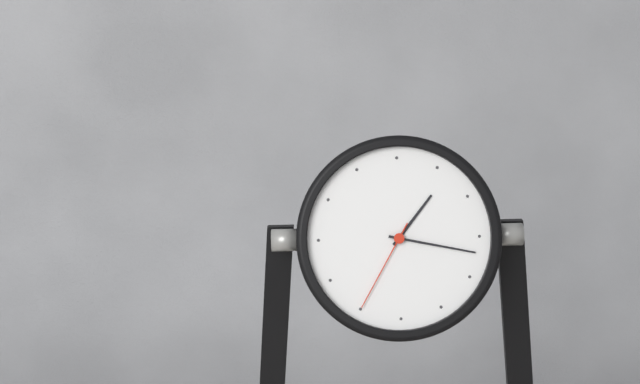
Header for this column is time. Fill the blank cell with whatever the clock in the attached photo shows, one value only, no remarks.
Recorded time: 1:17:35
